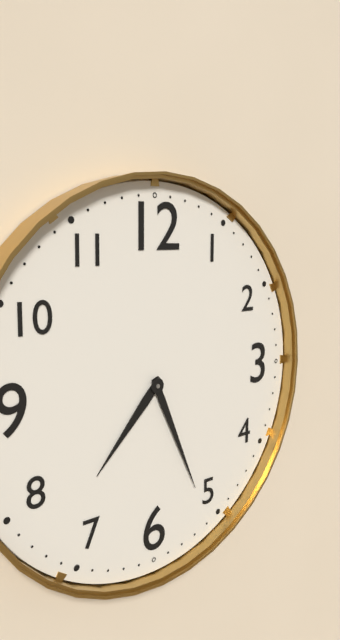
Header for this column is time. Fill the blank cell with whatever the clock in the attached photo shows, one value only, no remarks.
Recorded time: 7:26
